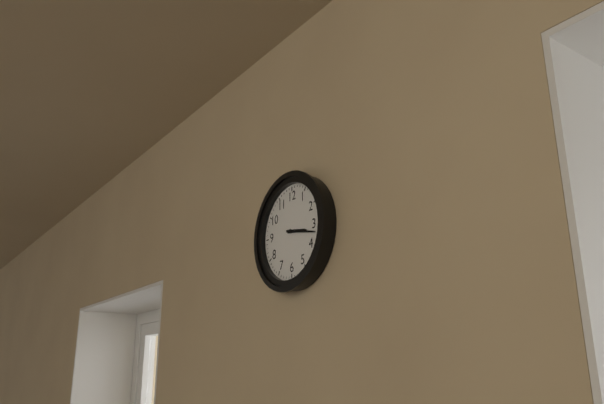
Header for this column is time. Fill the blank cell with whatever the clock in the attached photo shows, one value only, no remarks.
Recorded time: 3:17
